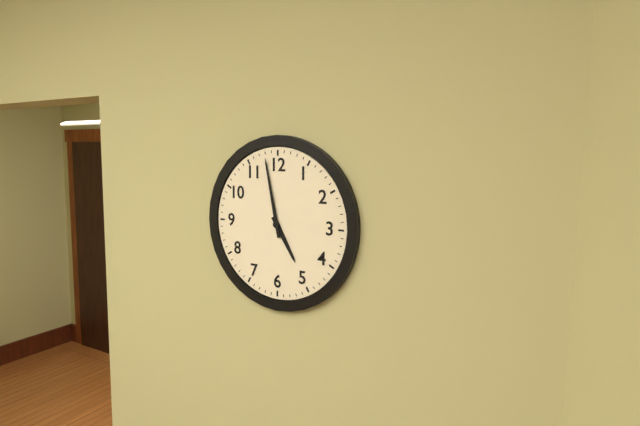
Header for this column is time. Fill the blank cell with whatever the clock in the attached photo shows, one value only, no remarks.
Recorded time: 4:58
